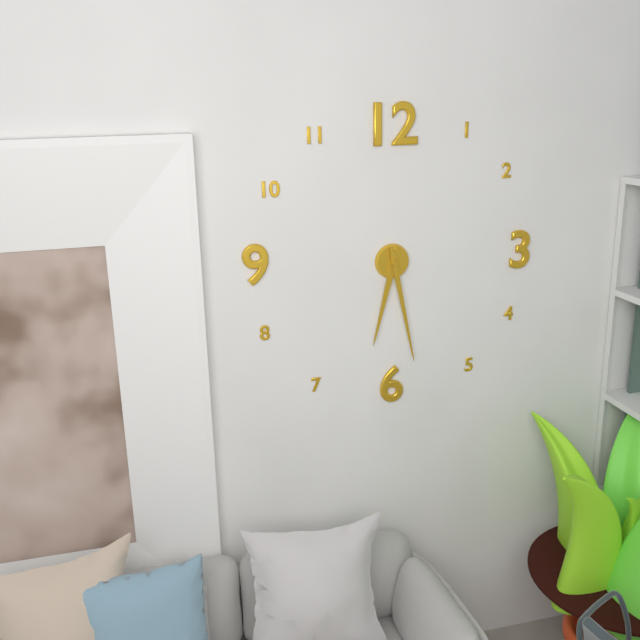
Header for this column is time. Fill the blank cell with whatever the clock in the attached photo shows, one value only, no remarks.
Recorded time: 6:28
